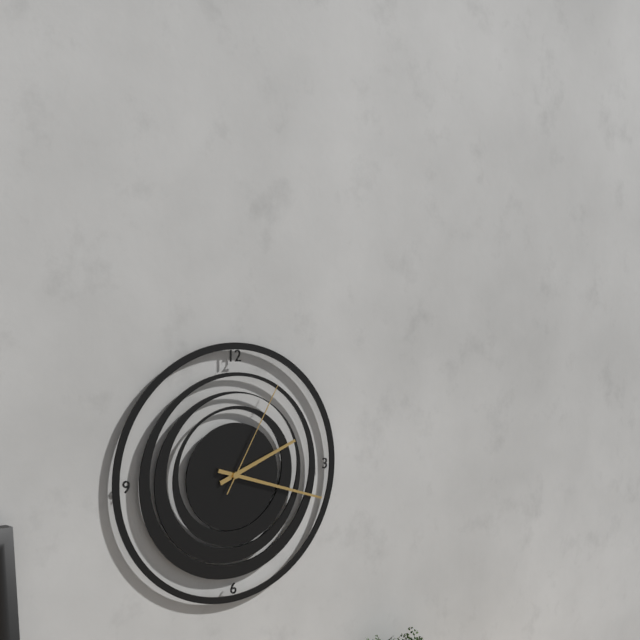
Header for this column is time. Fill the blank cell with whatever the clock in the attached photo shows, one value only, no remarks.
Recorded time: 2:18:05
